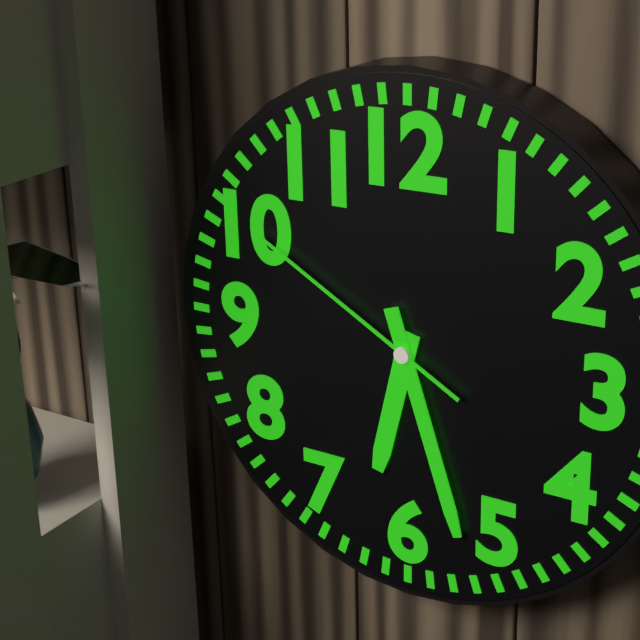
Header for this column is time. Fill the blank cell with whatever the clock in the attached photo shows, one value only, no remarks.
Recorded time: 6:27:50
